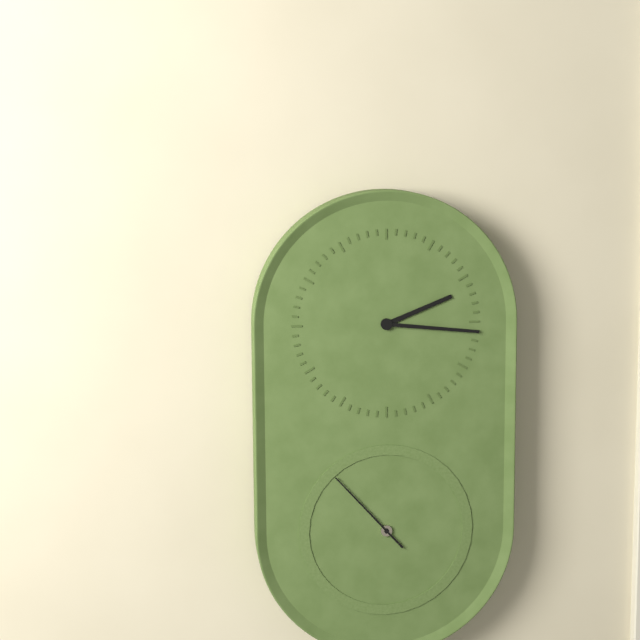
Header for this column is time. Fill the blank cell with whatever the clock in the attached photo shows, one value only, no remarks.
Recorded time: 2:16:53
